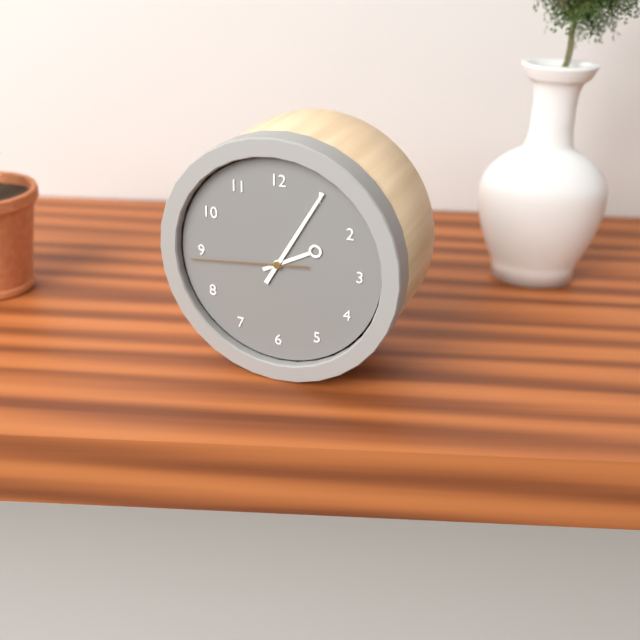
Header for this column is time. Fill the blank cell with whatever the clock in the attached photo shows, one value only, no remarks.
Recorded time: 2:05:44
